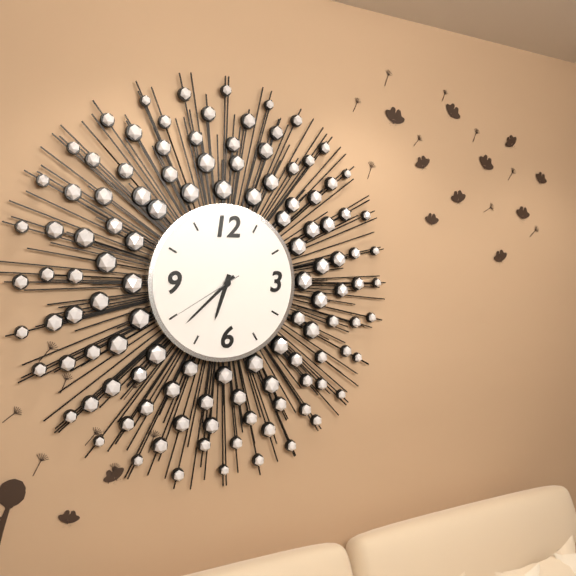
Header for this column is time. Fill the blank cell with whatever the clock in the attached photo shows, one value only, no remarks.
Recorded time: 6:38:40
